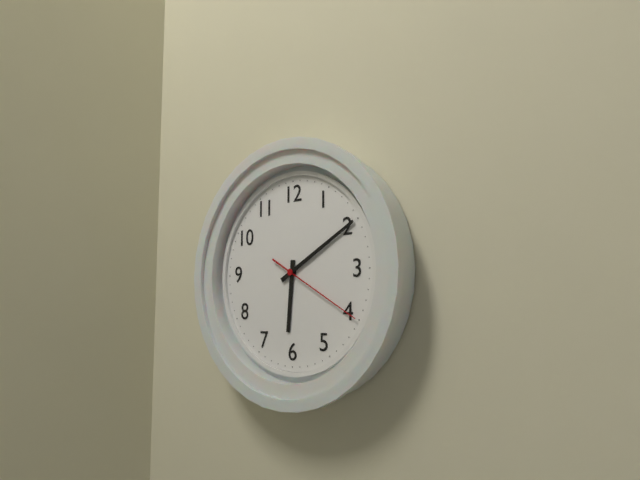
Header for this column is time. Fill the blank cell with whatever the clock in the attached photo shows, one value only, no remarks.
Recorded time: 6:10:20
